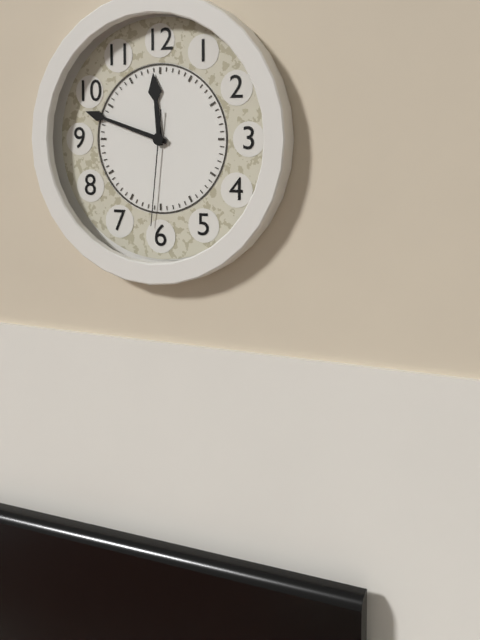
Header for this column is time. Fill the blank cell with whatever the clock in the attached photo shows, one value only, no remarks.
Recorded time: 11:48:31
